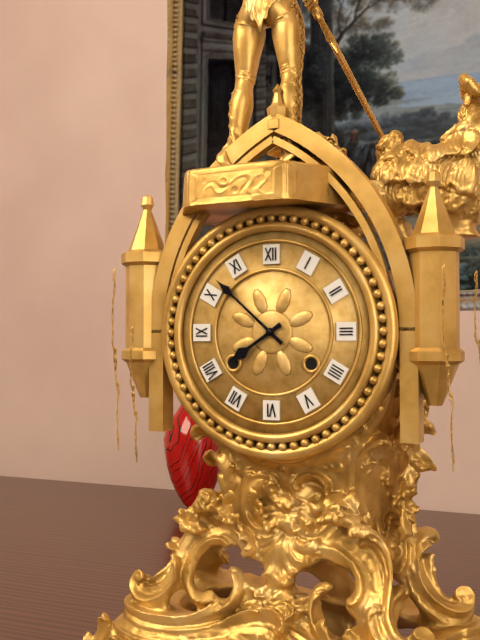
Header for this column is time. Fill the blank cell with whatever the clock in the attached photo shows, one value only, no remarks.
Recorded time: 7:52
